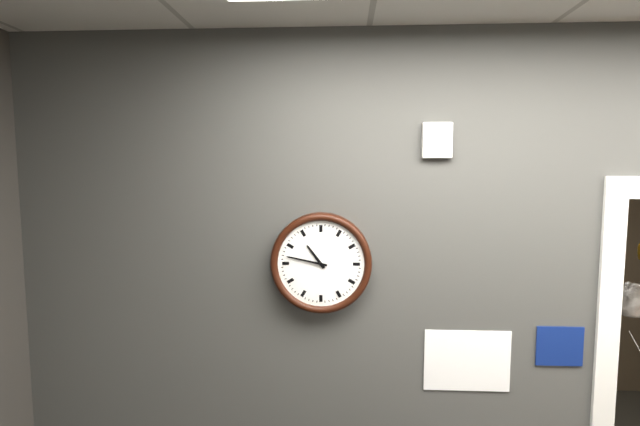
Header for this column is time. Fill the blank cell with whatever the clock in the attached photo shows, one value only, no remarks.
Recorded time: 10:47
